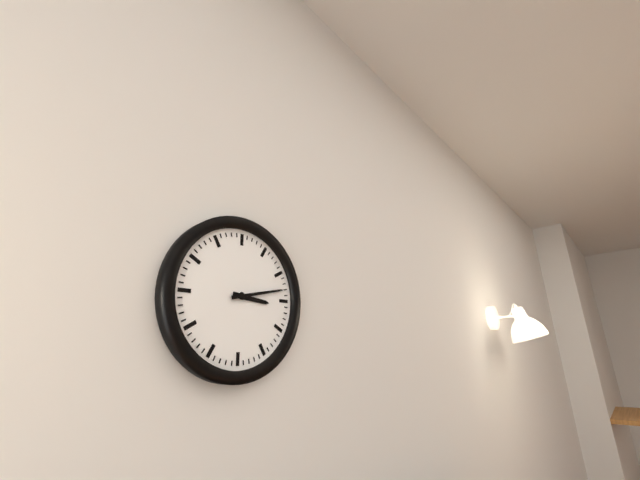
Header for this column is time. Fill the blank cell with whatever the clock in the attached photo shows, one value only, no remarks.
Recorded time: 3:13
